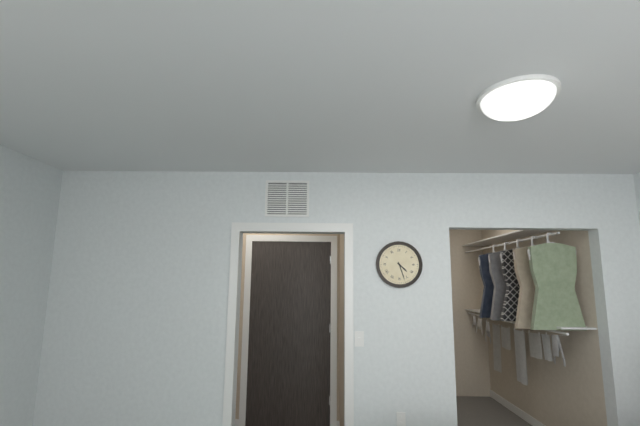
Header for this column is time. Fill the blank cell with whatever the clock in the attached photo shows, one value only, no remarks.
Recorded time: 4:27
